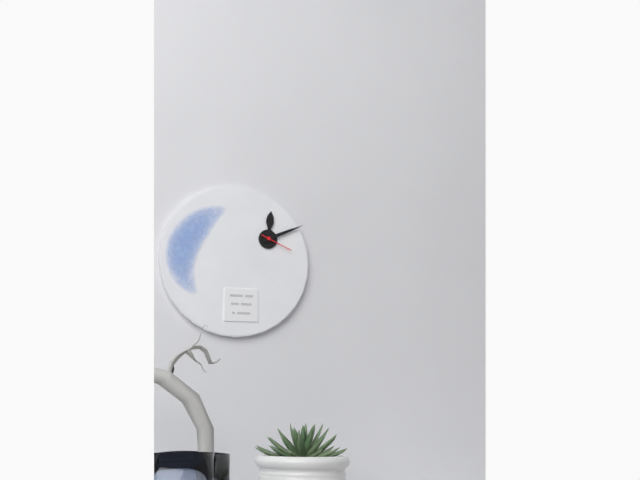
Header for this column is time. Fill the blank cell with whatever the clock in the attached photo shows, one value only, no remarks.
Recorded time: 12:11
